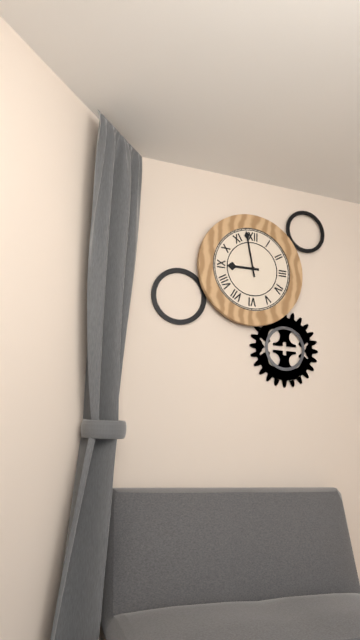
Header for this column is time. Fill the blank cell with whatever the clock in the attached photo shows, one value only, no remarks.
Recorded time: 8:58
